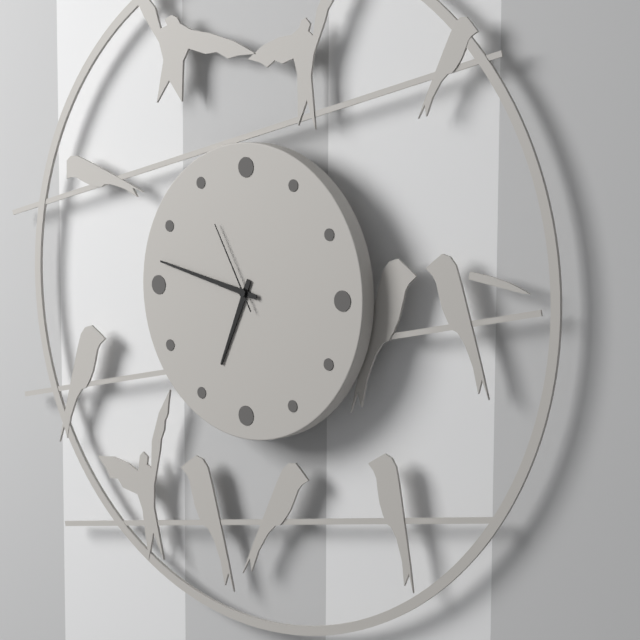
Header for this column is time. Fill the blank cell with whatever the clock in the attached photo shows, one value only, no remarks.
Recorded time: 6:47:55
